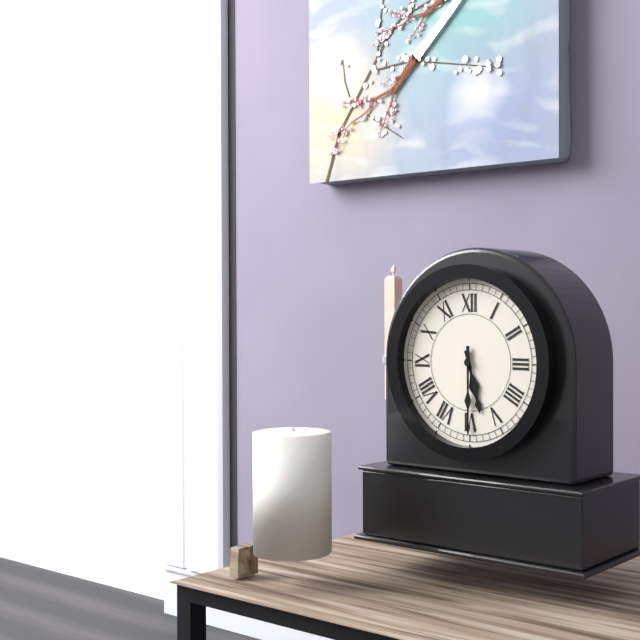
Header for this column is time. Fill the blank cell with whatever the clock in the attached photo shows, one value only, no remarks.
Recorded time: 5:30
